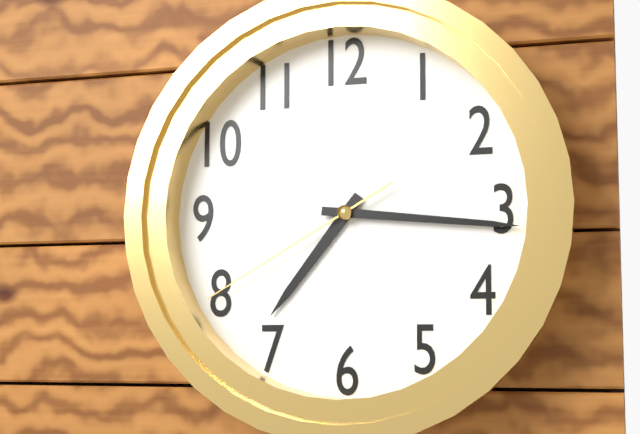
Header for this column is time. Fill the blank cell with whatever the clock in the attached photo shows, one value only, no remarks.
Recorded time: 7:16:40
